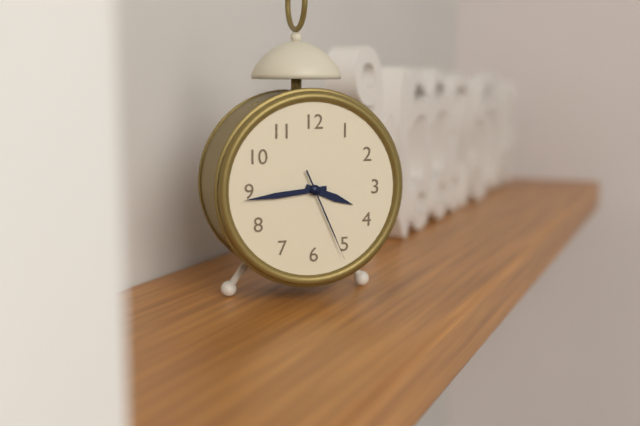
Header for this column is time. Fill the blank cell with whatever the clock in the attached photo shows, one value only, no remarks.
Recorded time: 3:44:26
